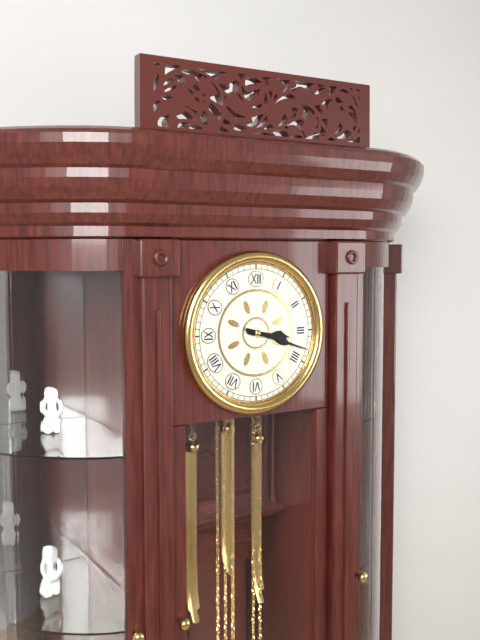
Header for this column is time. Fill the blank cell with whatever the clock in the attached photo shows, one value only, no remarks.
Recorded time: 3:18
